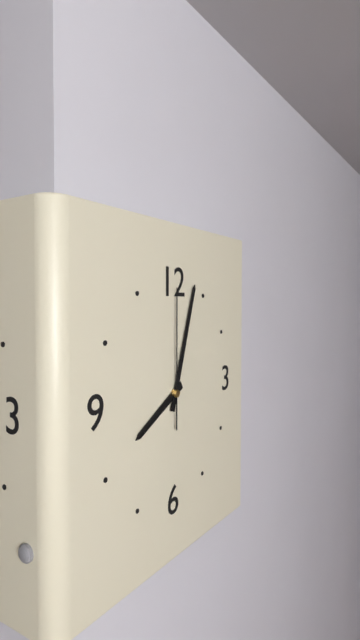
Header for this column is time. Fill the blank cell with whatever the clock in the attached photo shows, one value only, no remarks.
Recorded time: 8:03:00
